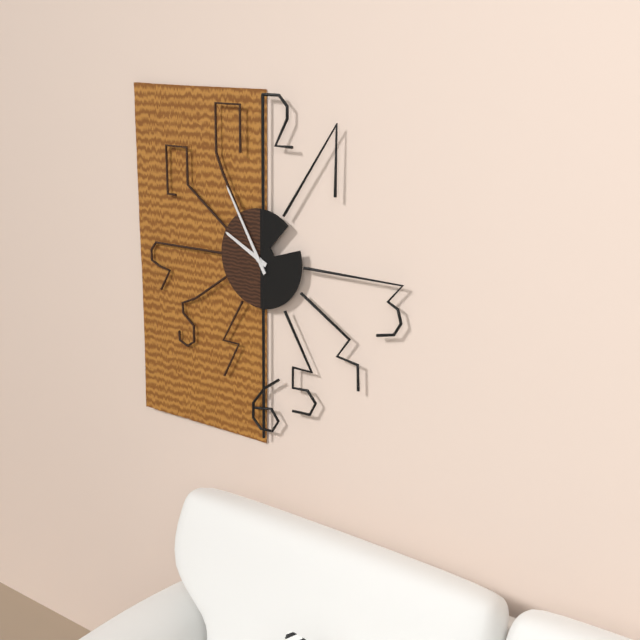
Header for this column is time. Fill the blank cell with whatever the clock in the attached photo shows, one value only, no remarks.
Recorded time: 9:55
